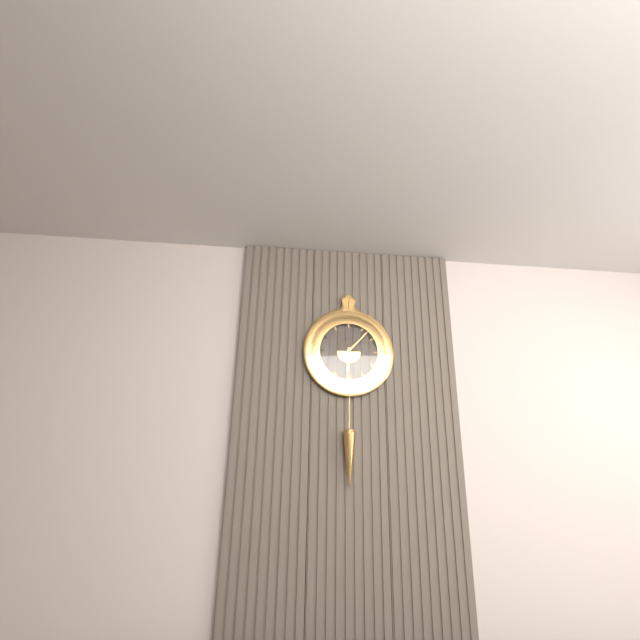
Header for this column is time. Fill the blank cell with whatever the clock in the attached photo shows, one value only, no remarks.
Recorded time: 6:07
